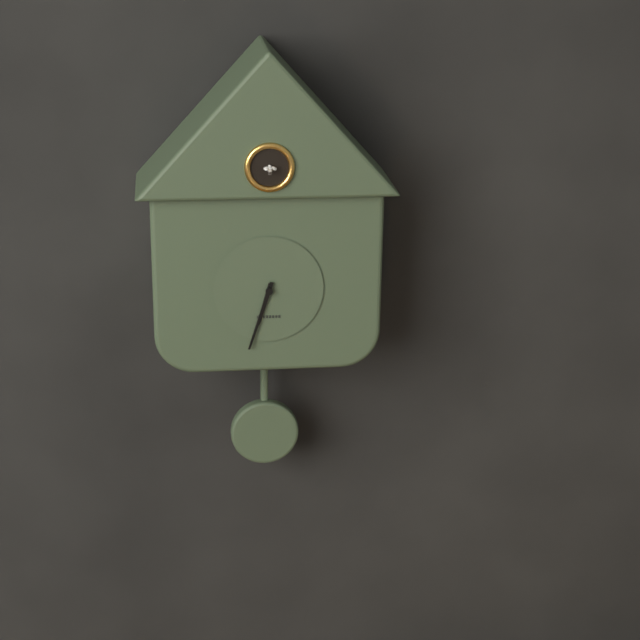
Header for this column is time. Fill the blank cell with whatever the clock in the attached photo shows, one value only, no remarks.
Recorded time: 6:33
